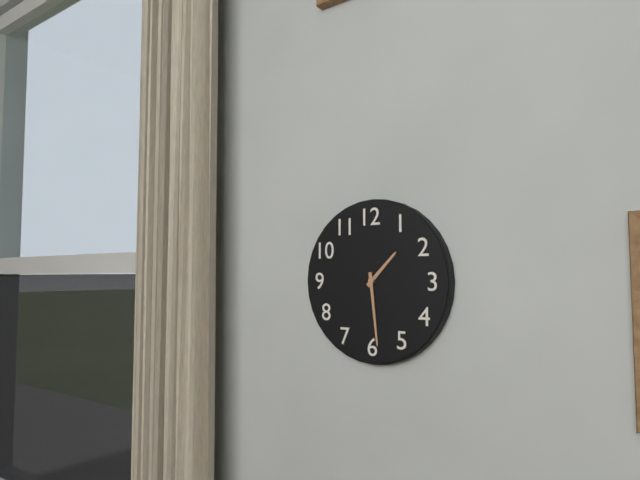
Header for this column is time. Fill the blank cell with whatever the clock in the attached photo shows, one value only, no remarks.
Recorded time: 1:29
